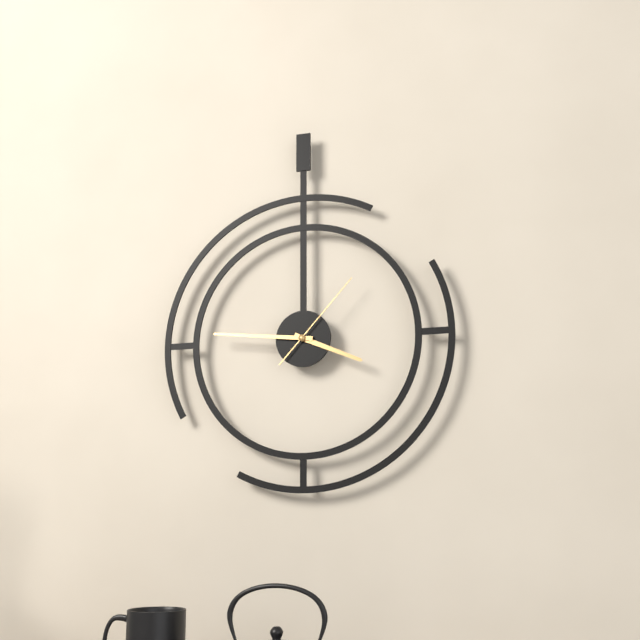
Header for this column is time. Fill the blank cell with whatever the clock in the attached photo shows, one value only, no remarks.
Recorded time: 3:46:07
